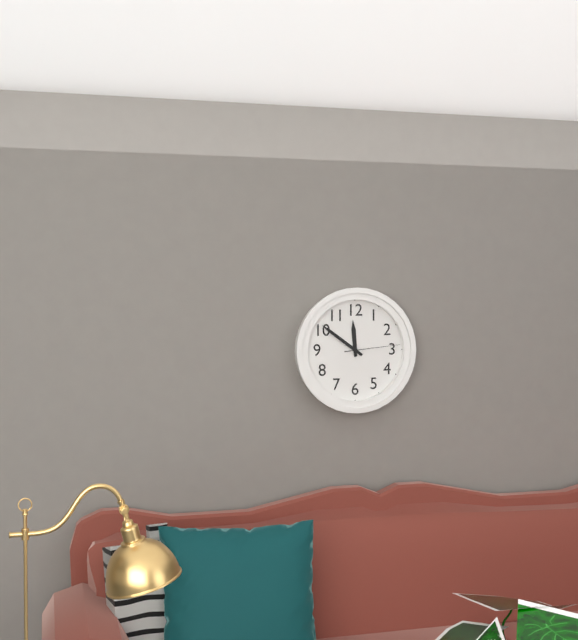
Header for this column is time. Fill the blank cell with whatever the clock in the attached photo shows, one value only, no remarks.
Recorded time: 11:51:14
